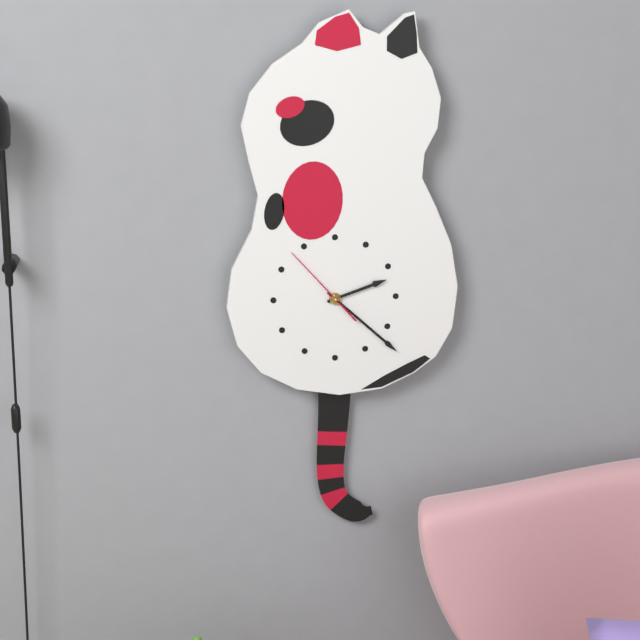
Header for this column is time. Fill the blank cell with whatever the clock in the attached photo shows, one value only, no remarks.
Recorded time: 2:22:53
